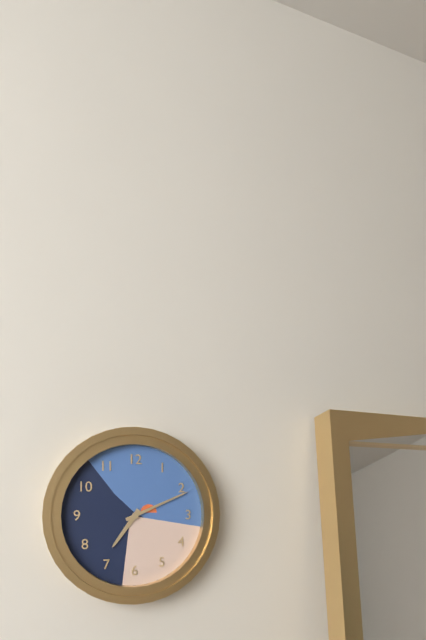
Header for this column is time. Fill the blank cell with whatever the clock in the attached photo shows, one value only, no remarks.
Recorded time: 7:11
